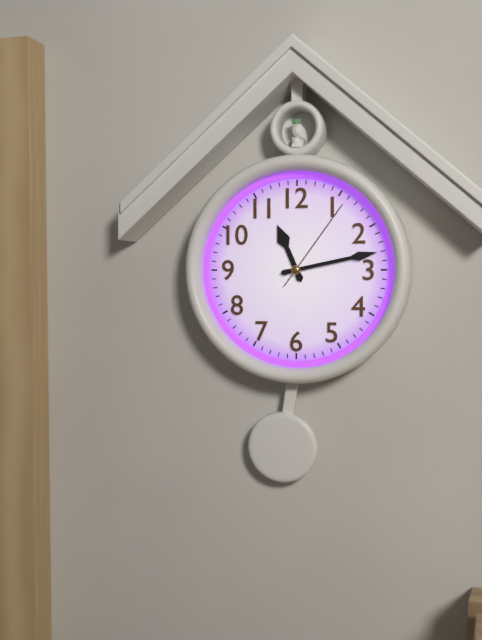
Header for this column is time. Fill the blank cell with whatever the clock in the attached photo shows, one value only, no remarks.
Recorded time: 11:13:06
